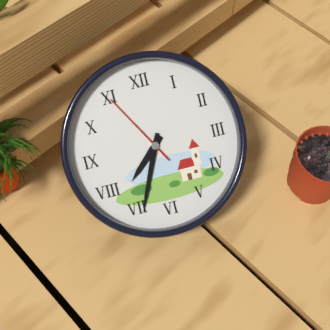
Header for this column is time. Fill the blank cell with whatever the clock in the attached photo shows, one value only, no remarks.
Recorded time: 7:34:55
